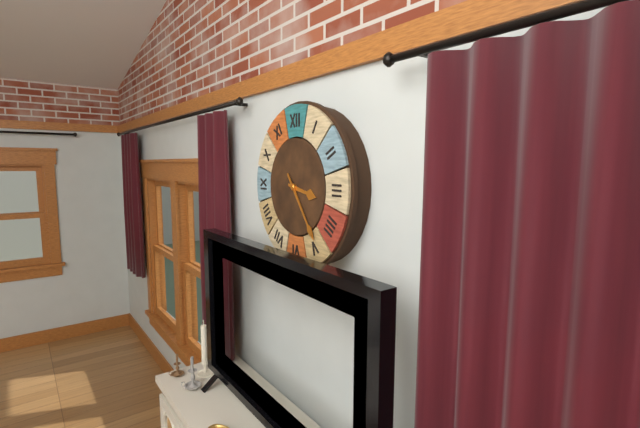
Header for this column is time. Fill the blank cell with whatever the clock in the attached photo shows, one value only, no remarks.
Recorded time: 3:24
